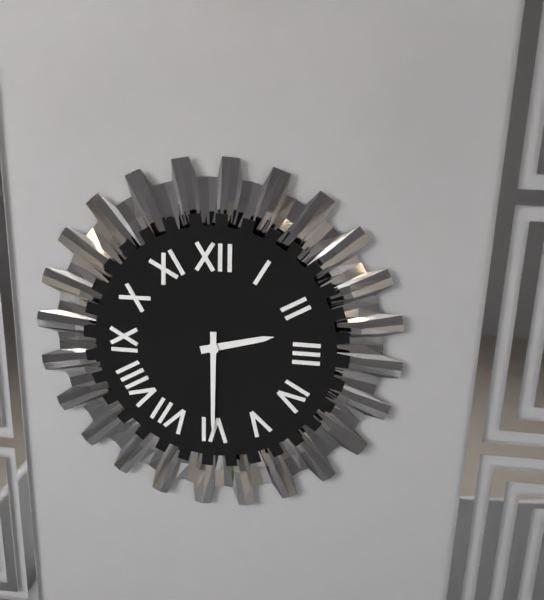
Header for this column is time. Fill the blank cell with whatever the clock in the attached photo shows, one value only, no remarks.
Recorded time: 2:30
